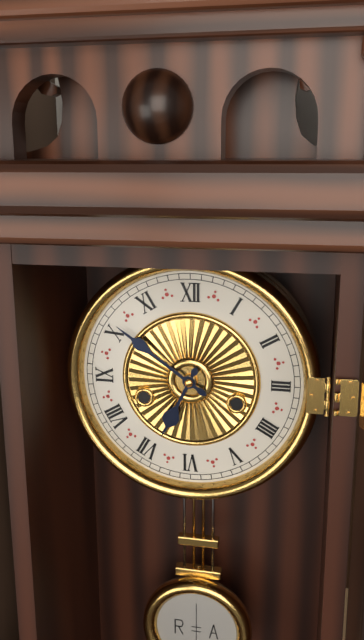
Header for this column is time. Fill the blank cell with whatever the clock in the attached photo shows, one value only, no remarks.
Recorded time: 6:51
